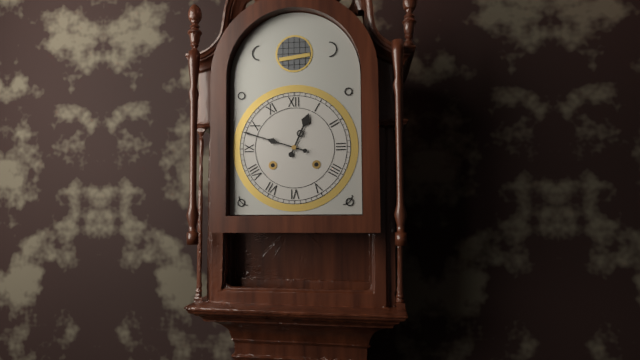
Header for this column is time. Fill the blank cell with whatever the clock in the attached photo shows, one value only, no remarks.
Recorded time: 12:48
